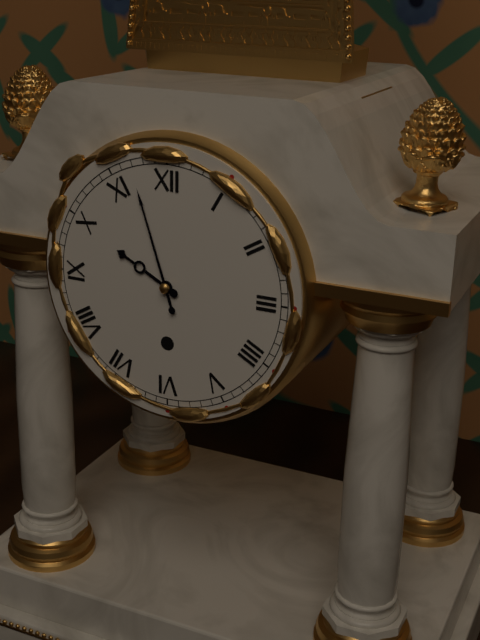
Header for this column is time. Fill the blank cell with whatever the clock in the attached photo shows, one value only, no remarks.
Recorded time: 9:57
